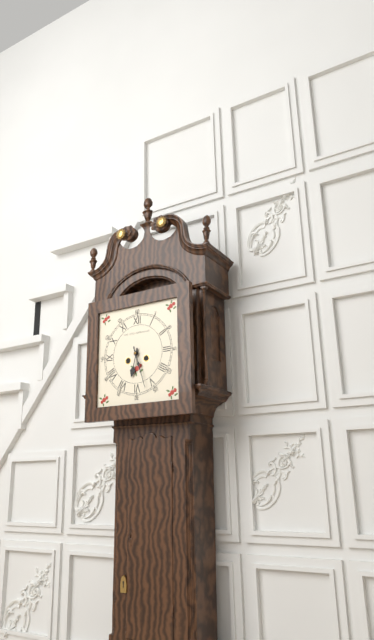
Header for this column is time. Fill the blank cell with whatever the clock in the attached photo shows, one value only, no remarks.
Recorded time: 6:27
